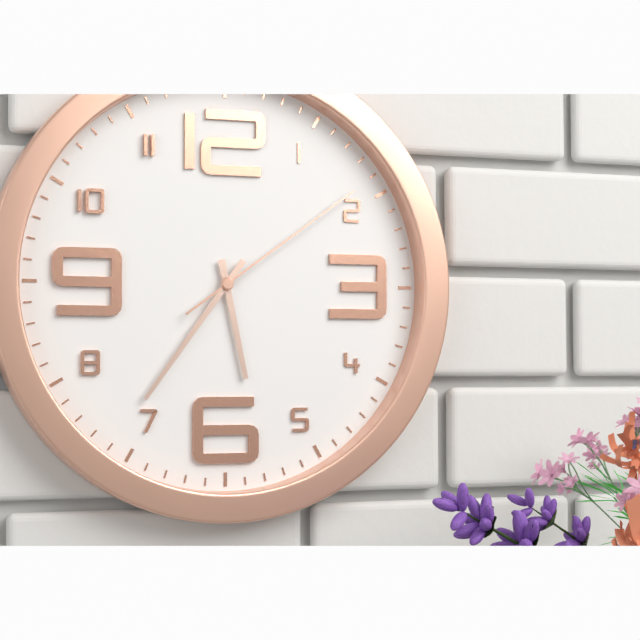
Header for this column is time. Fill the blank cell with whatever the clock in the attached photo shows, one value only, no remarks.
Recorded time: 5:36:09
